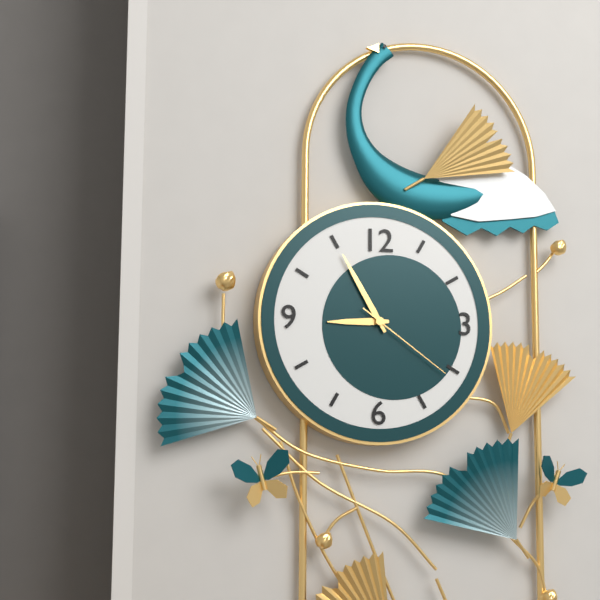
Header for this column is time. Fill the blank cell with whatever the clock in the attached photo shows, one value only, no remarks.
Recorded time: 8:55:21
